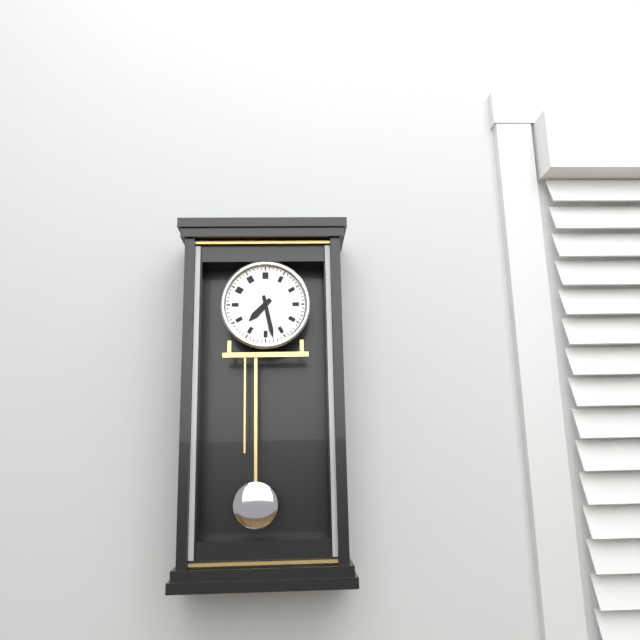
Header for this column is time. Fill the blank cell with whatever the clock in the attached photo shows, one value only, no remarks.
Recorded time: 7:28
